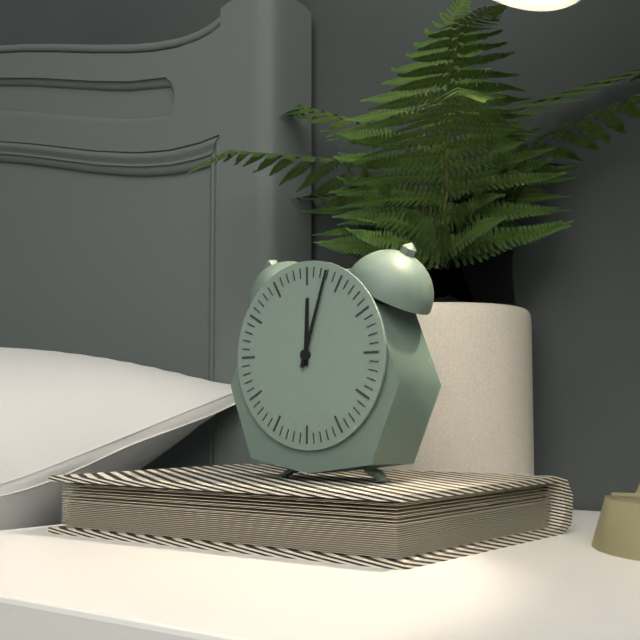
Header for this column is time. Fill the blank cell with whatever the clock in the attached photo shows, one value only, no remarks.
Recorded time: 12:03
